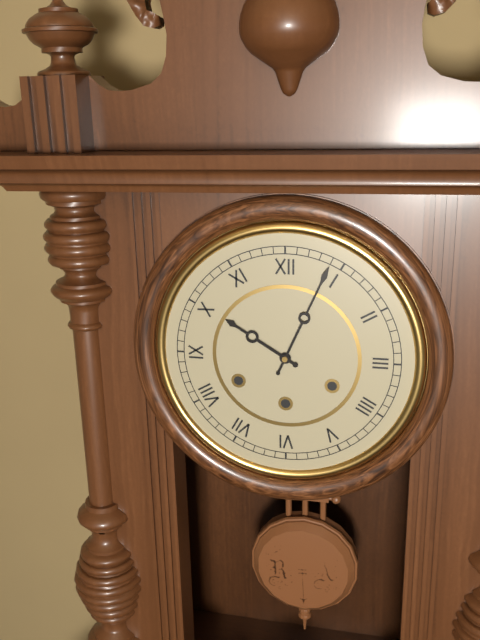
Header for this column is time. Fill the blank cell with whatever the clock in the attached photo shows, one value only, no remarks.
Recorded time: 10:04
